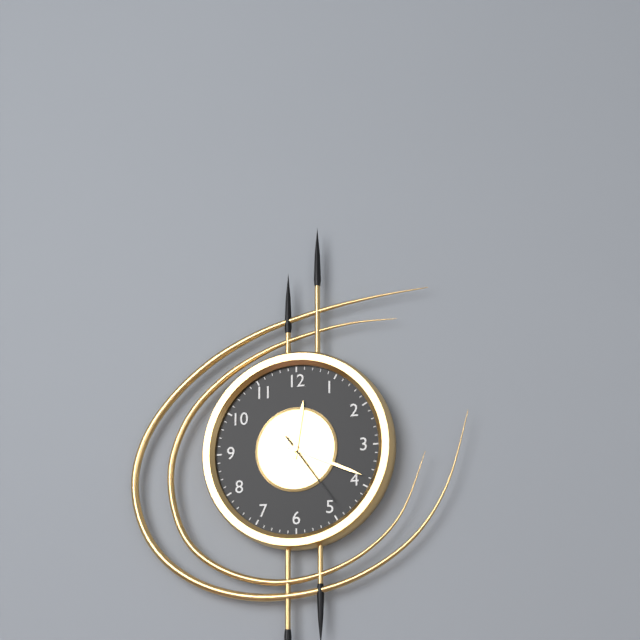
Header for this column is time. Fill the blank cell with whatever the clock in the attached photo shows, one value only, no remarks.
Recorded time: 12:19:24
